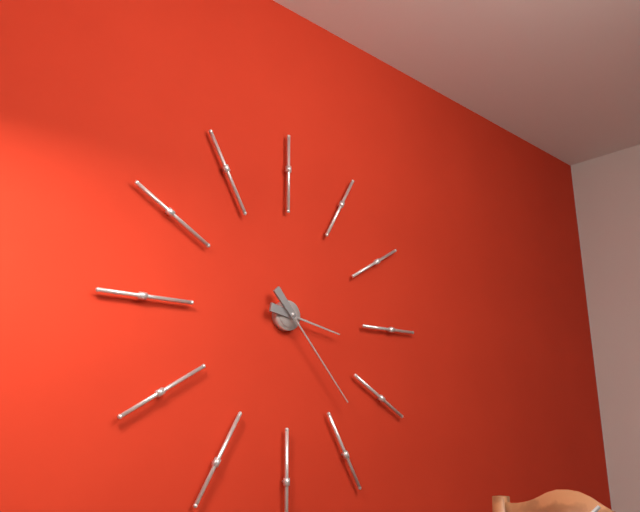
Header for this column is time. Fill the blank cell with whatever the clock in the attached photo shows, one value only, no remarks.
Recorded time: 3:23
